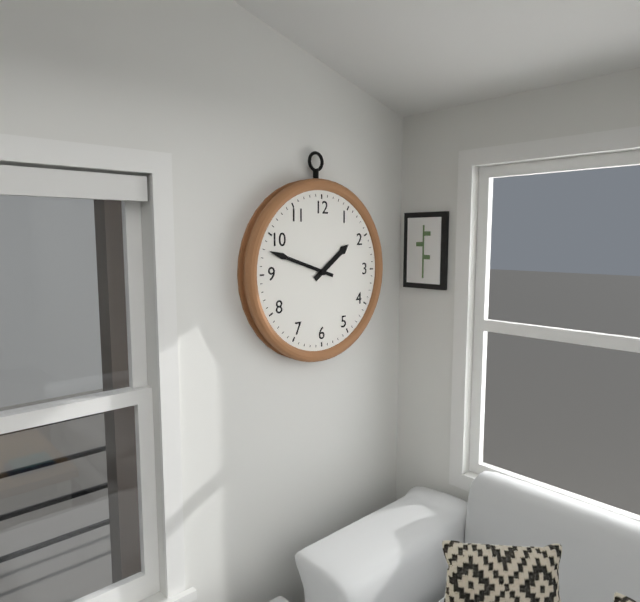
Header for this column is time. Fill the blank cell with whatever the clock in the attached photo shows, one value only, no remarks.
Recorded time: 1:48
